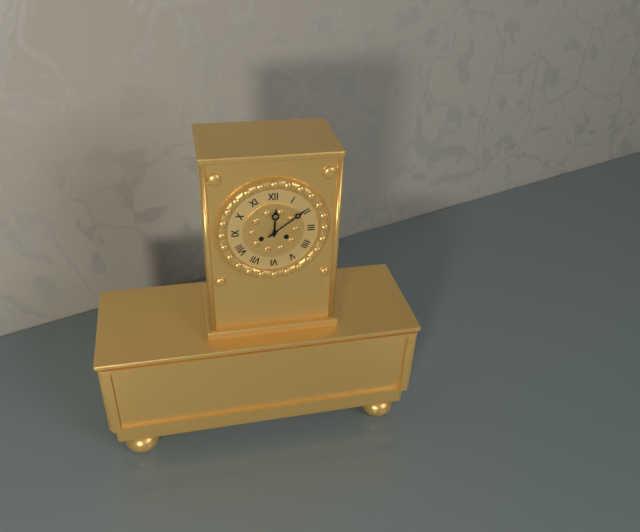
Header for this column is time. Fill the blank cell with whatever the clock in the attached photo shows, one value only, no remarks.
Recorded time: 12:09
